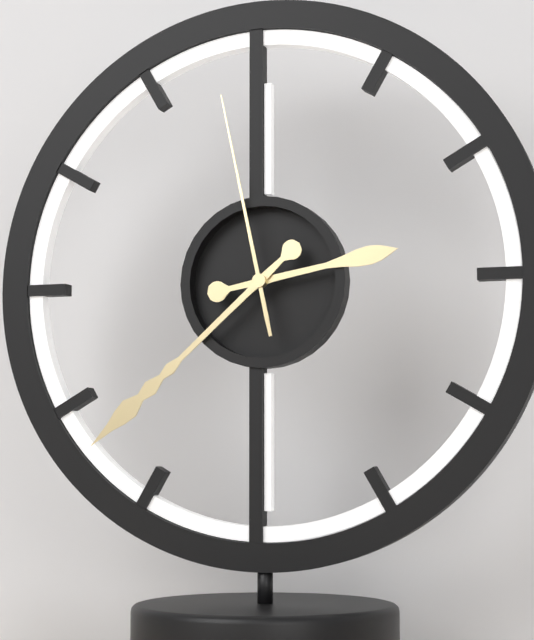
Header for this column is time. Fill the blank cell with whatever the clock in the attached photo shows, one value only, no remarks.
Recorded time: 2:38:58
